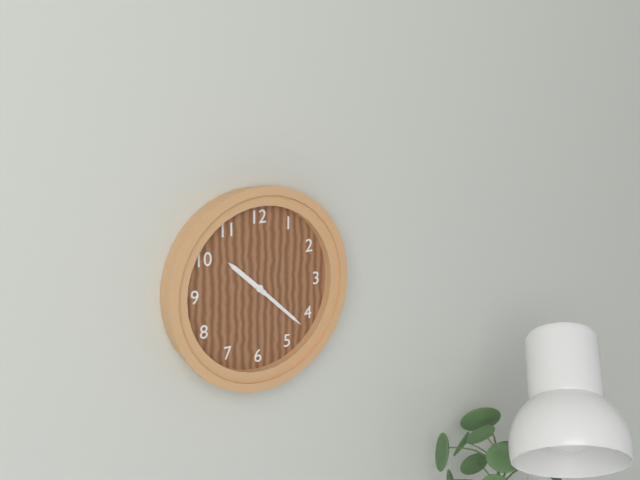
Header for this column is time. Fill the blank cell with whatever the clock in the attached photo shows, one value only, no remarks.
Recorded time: 10:22
